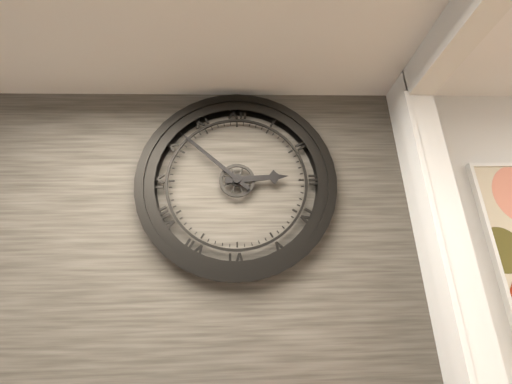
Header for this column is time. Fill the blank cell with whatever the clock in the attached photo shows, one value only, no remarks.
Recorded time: 2:52
